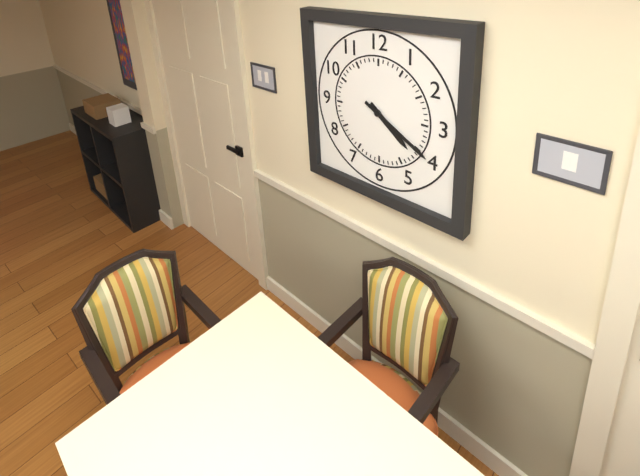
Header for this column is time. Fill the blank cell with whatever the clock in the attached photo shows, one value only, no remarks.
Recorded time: 4:20
